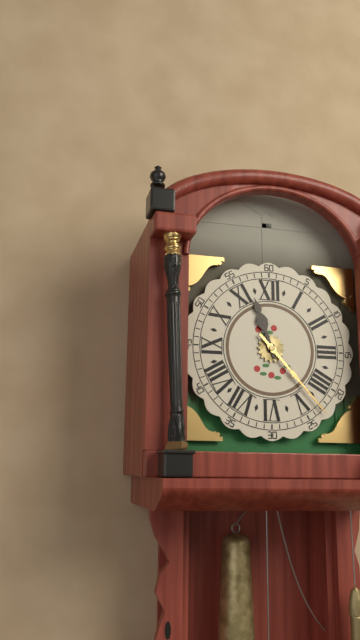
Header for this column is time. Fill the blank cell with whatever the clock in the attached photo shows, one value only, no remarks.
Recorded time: 11:23
